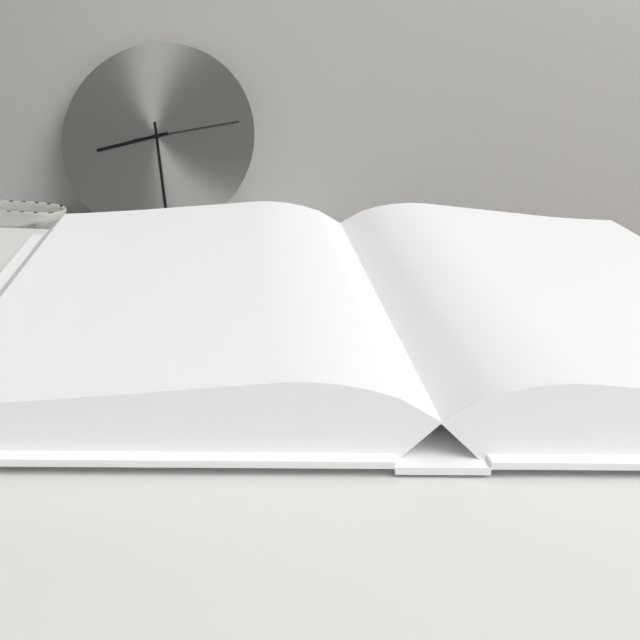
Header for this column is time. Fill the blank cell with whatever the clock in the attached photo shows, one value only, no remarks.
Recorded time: 8:28:13
